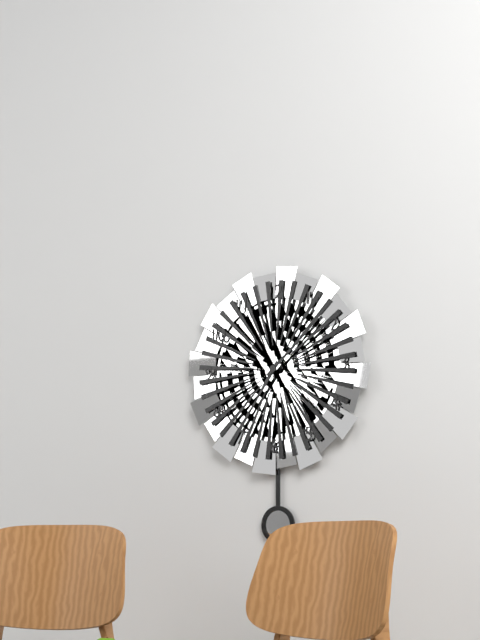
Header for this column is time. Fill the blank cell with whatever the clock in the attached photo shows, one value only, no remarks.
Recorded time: 7:08
